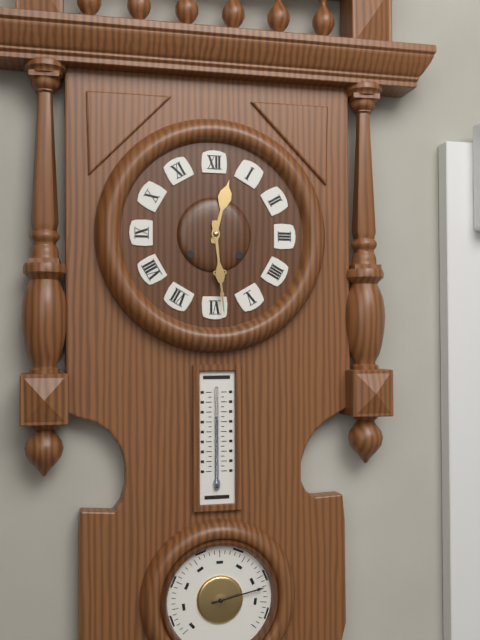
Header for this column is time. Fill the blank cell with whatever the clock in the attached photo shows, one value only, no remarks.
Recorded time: 12:29
